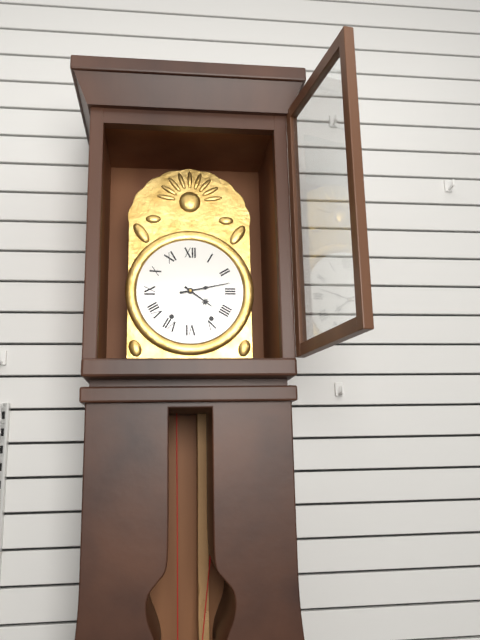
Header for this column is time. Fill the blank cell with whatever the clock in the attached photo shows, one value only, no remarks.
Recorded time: 4:13
